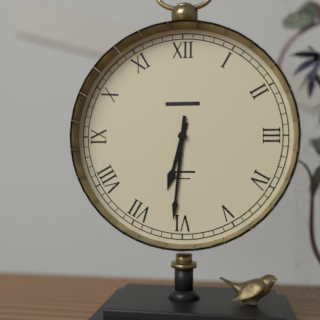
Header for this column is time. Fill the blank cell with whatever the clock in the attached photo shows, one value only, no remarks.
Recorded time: 6:31
